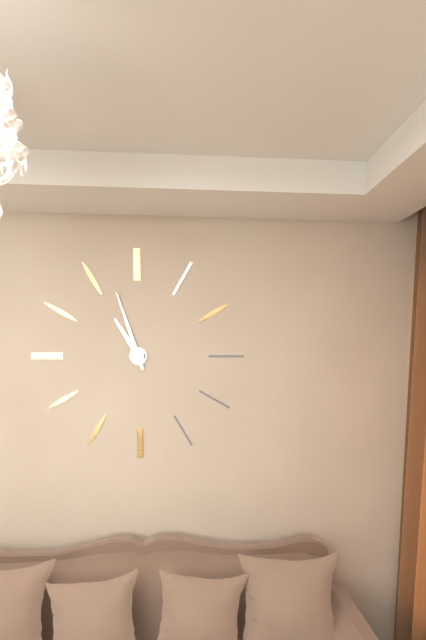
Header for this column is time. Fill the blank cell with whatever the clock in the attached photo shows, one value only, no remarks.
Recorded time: 10:57
